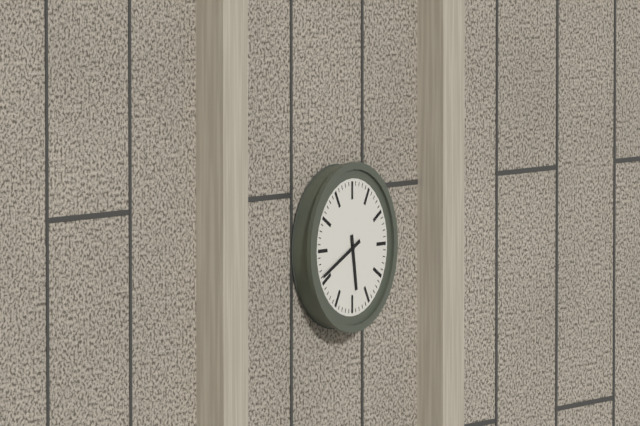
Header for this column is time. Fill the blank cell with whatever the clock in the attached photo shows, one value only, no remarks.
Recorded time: 5:41
